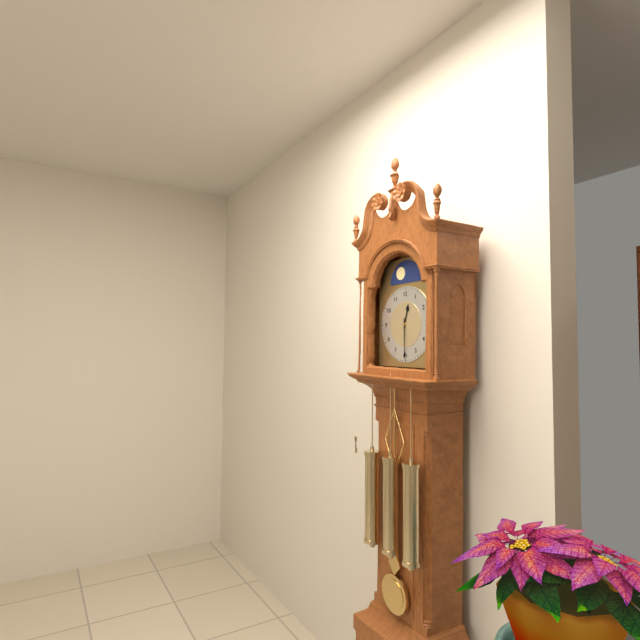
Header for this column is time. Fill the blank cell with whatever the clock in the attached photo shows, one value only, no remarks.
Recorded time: 12:30
